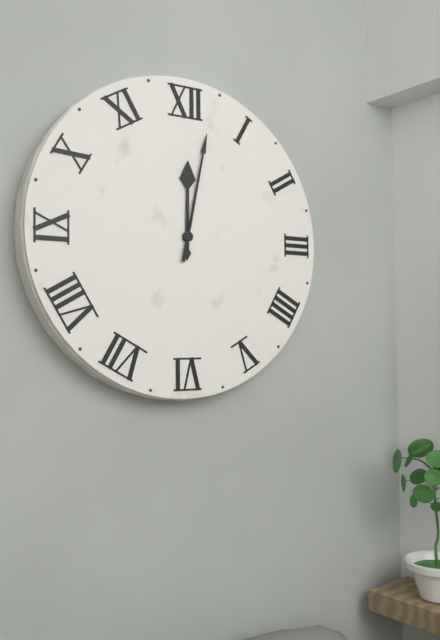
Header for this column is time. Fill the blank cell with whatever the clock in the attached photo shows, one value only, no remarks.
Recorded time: 12:02
